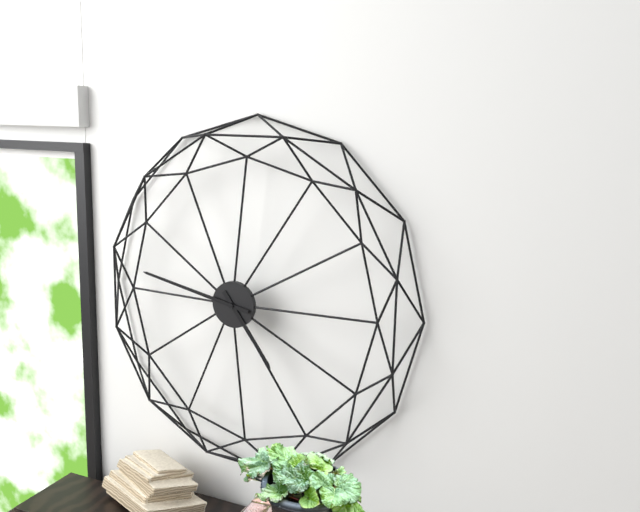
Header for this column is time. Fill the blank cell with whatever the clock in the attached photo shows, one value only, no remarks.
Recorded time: 4:47
